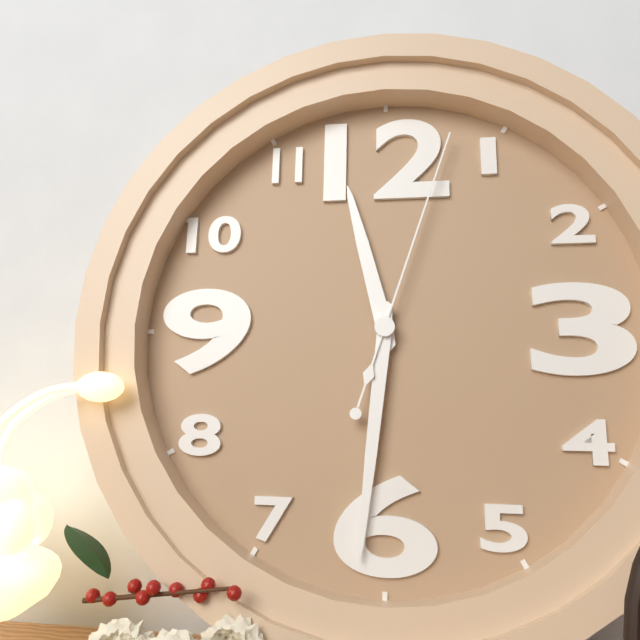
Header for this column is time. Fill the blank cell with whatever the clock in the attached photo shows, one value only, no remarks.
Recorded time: 11:31:03
